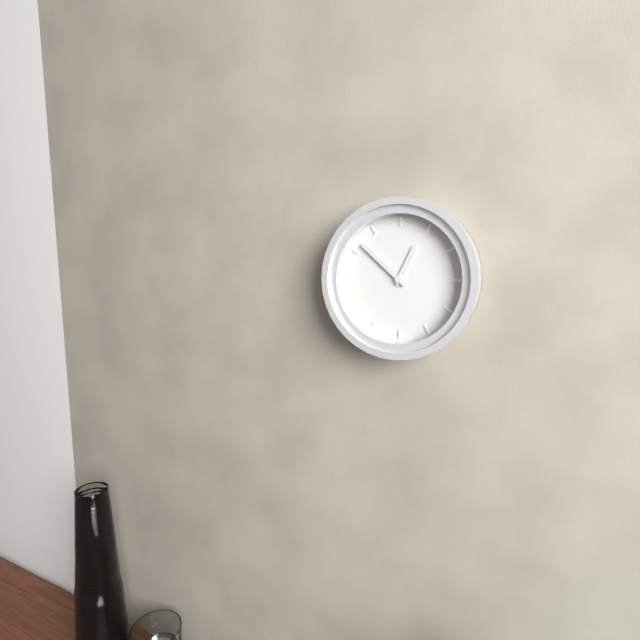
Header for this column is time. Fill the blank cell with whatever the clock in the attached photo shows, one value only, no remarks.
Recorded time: 12:52
